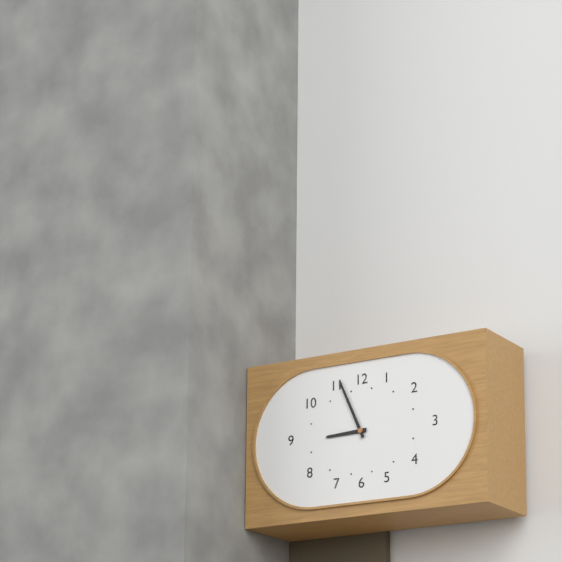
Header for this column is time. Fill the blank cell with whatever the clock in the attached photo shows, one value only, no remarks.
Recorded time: 8:56
